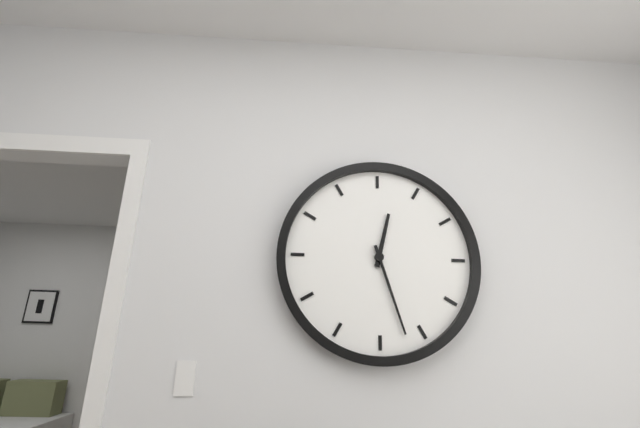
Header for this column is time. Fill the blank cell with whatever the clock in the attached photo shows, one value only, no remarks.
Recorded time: 12:27
